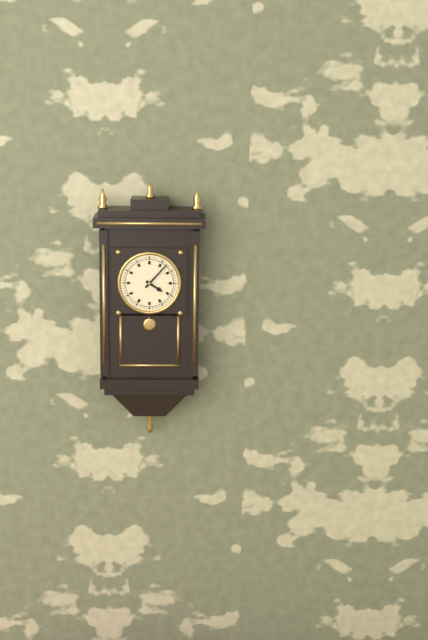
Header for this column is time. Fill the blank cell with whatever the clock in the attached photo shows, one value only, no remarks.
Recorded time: 4:07
